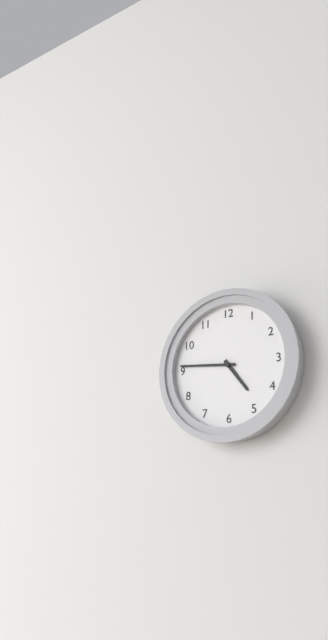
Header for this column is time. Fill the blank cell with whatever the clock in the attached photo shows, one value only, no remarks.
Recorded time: 4:46
